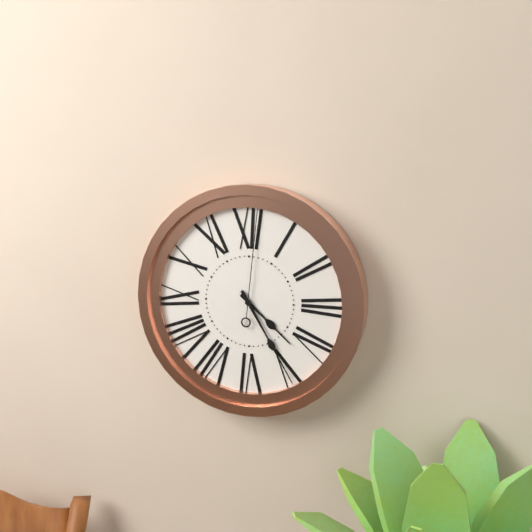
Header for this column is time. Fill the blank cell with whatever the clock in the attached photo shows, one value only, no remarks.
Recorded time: 4:25:01
